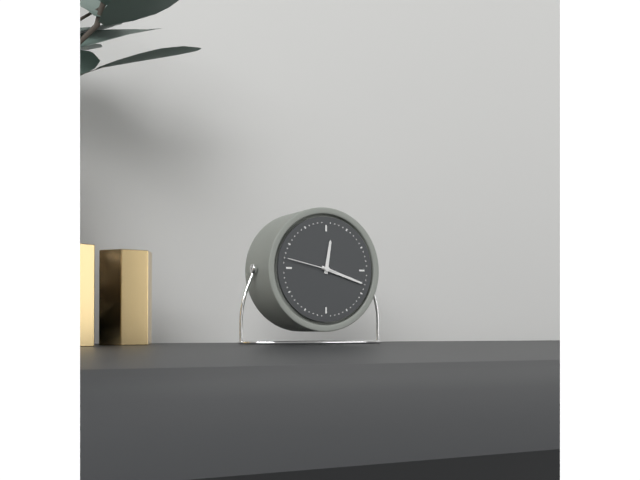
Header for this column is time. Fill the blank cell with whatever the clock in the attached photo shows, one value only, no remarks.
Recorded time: 12:18:47
